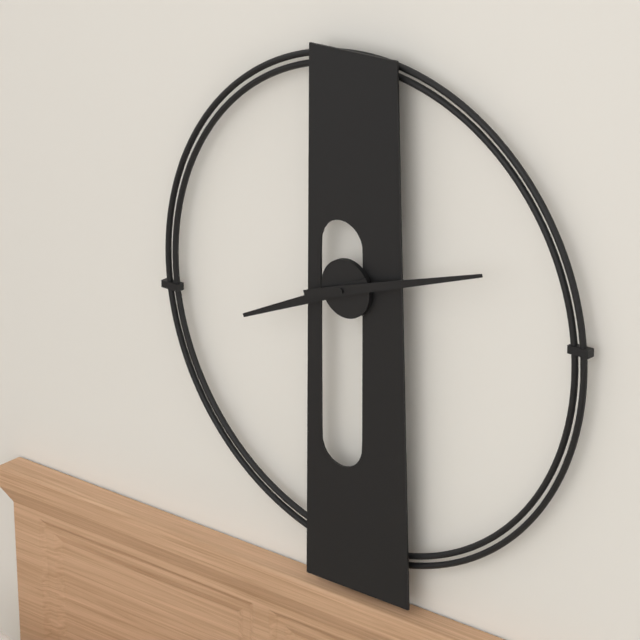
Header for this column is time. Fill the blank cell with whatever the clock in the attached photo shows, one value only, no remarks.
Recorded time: 8:12
